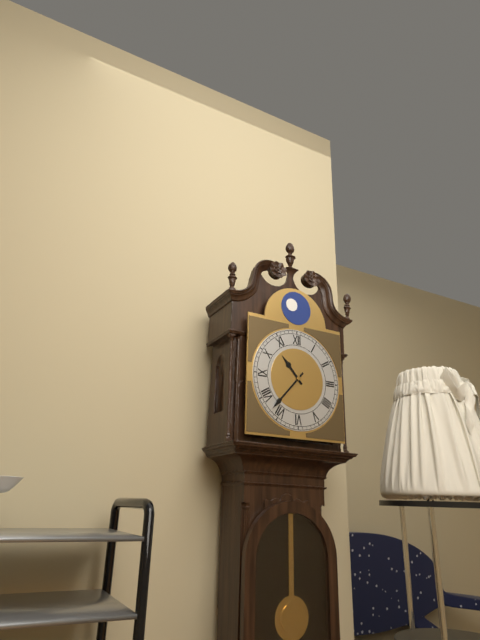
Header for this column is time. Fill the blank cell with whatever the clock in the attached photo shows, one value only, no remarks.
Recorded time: 10:37
